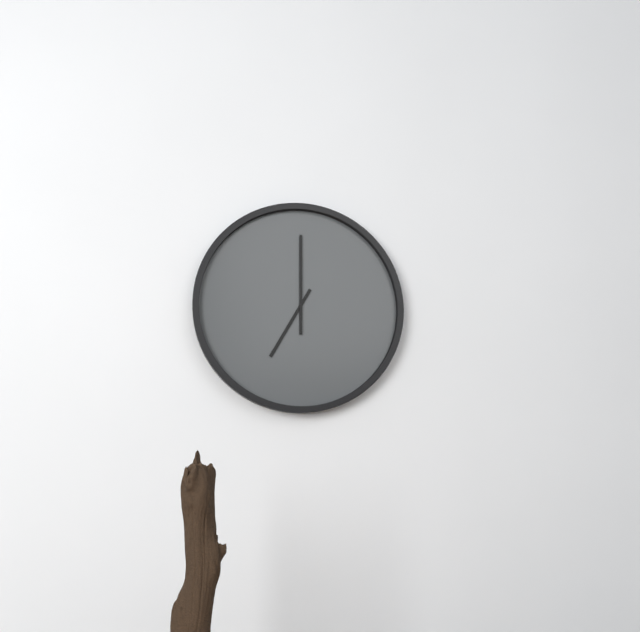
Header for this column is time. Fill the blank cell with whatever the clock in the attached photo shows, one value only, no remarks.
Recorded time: 7:00
